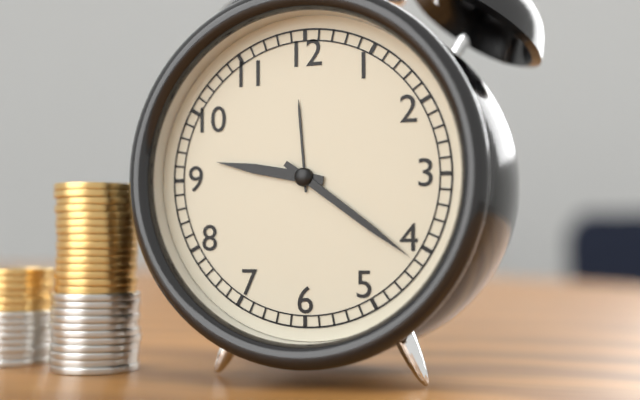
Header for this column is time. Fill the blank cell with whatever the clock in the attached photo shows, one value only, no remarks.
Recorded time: 9:21
